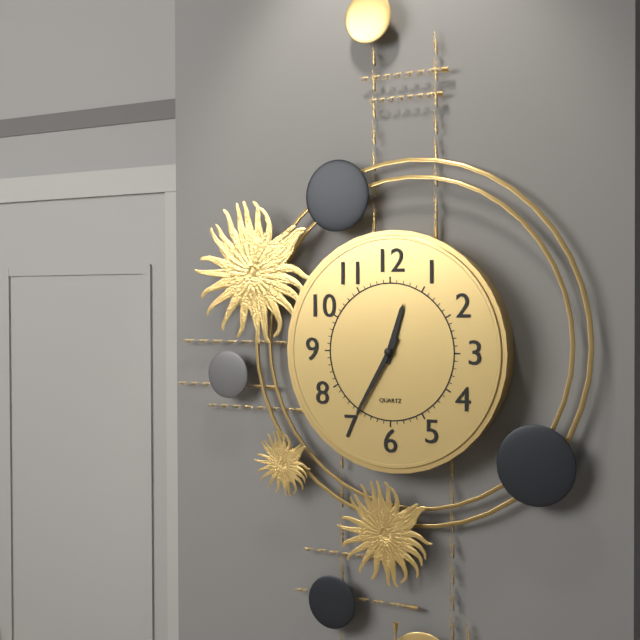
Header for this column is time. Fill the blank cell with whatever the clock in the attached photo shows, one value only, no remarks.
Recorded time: 12:35
